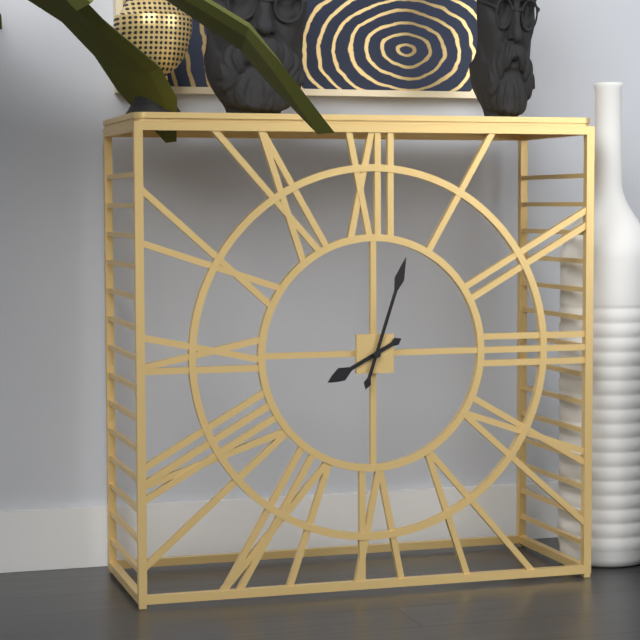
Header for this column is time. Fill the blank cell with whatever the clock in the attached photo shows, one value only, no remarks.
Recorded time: 8:03
